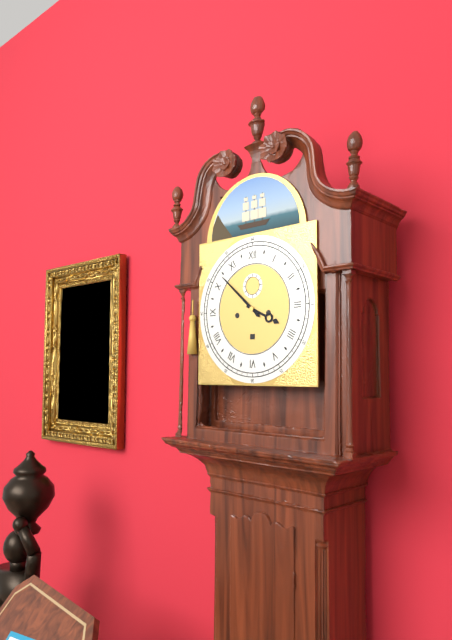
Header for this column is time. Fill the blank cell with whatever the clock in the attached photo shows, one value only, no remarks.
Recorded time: 3:52
